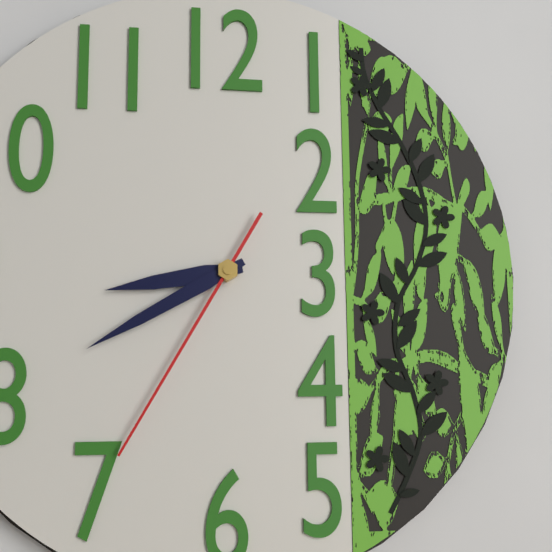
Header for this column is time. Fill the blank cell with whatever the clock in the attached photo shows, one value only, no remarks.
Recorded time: 8:40:35
